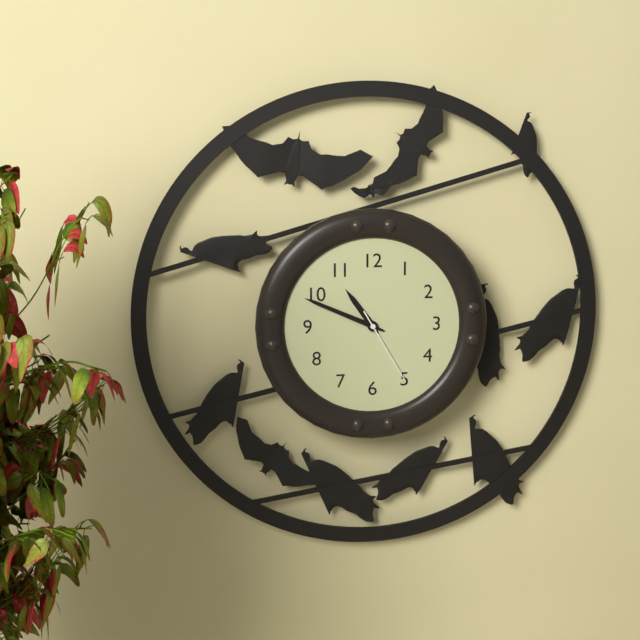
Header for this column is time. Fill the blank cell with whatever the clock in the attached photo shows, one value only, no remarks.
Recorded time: 10:49:25
